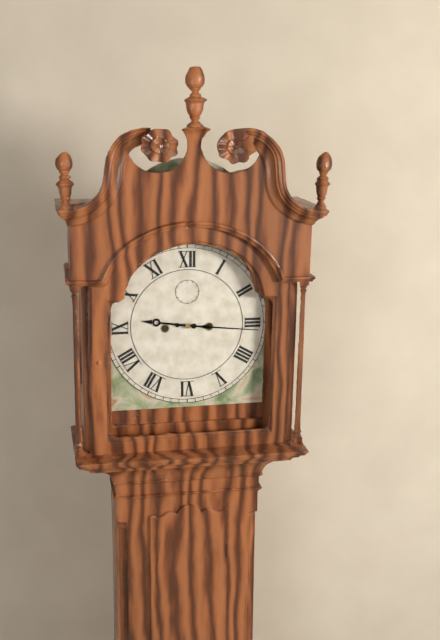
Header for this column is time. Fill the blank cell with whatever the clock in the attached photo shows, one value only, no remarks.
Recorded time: 9:16
